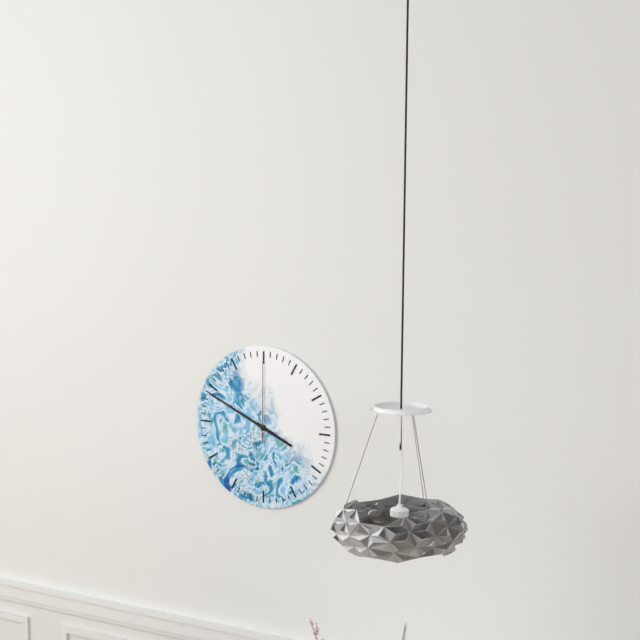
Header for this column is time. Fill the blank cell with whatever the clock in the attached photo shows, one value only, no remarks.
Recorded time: 3:49:00
